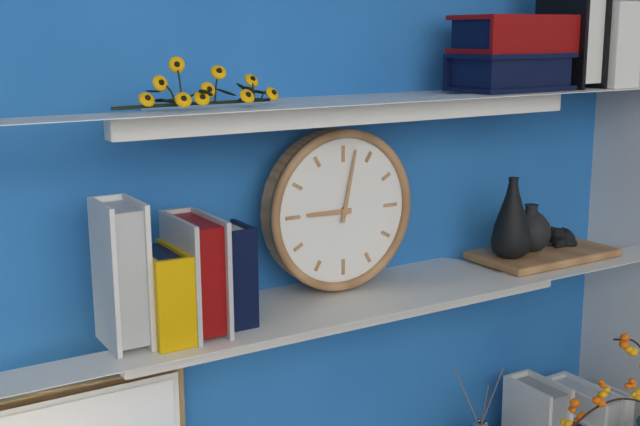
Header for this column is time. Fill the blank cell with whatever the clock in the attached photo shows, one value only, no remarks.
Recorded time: 9:02
